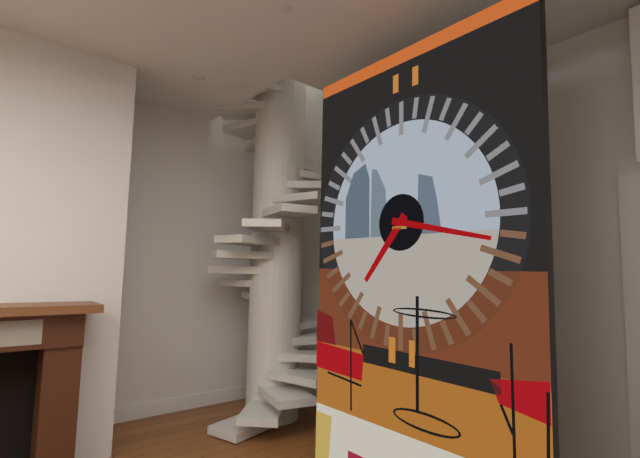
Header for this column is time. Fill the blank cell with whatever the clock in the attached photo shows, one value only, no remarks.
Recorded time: 7:17
